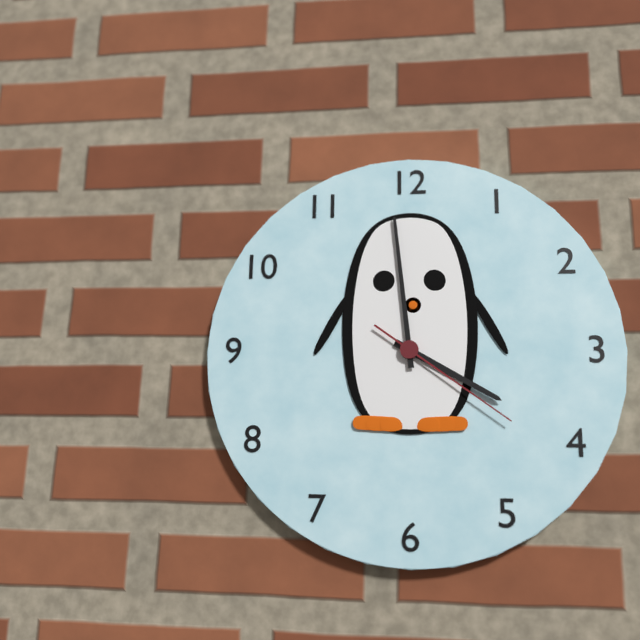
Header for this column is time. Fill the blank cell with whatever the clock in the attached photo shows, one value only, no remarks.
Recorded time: 3:59:21
